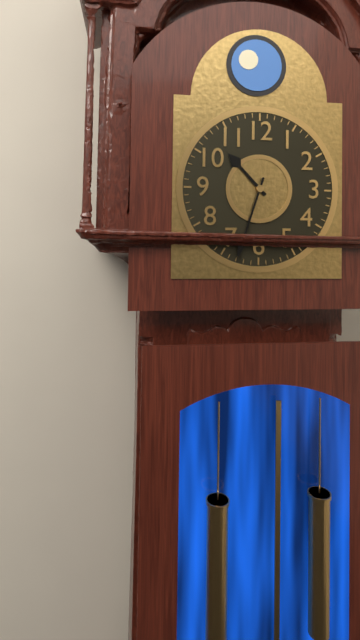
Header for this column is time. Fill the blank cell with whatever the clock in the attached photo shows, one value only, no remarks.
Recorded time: 10:33
